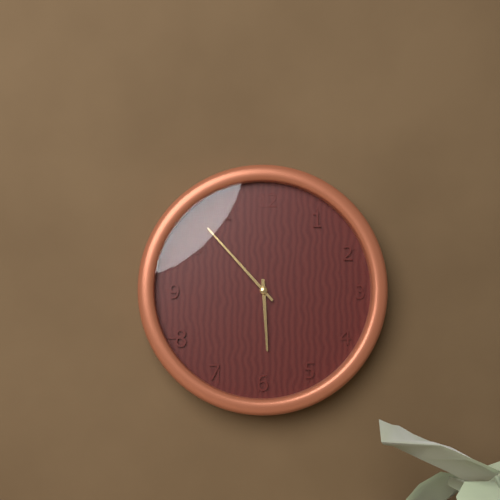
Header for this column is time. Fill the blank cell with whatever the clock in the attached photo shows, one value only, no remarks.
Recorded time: 5:53
